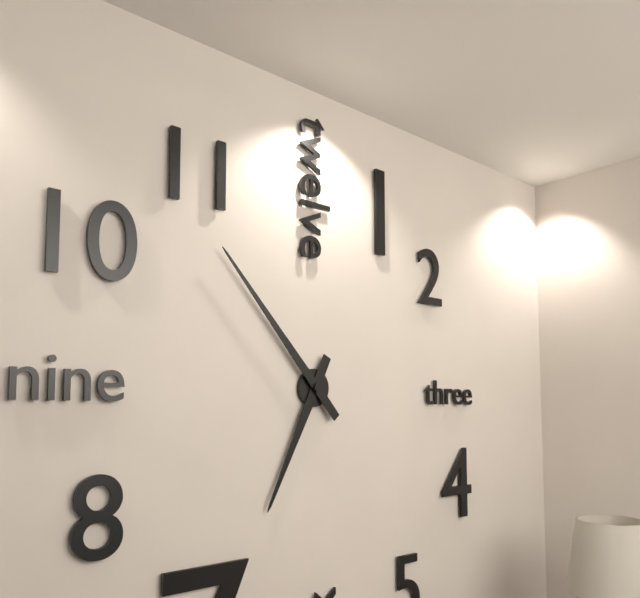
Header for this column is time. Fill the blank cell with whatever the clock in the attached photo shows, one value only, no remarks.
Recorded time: 6:53
